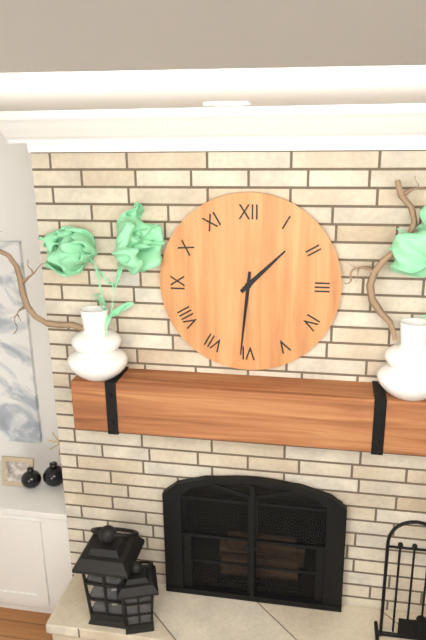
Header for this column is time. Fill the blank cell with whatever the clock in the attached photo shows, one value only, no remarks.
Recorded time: 1:31
